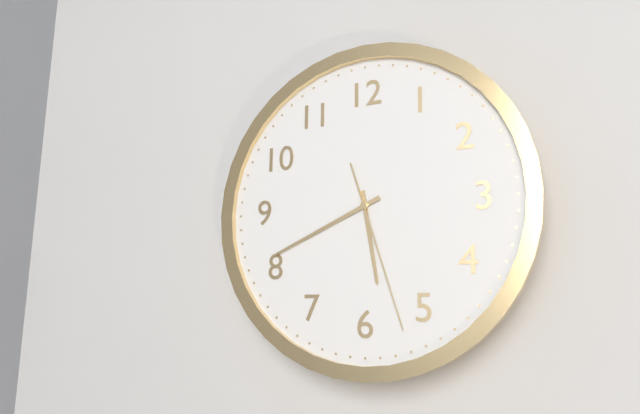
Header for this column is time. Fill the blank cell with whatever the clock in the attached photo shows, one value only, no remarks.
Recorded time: 5:41:27
